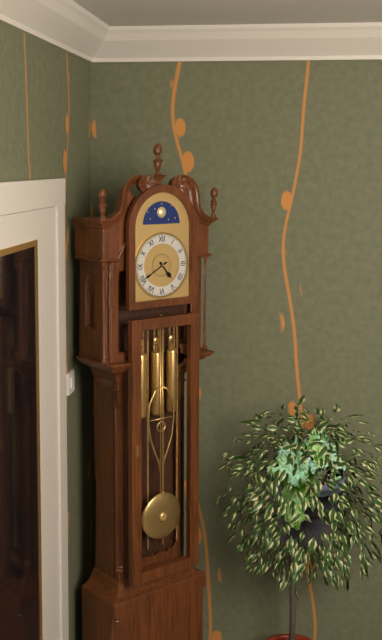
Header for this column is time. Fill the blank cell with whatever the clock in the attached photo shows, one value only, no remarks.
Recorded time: 4:40
